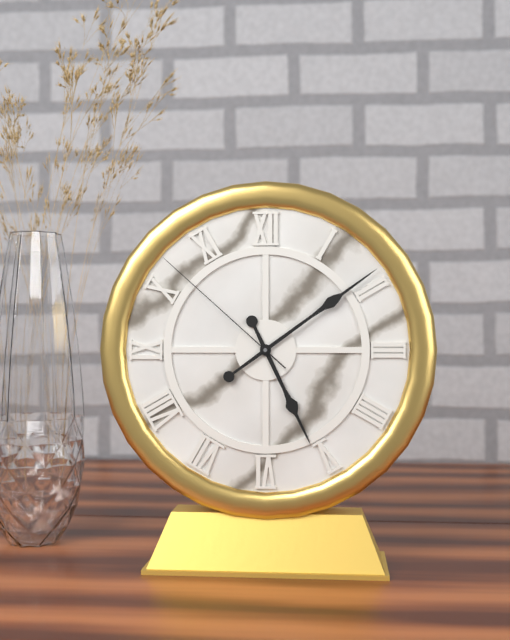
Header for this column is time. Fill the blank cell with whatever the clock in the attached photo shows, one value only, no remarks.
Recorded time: 5:09:52
